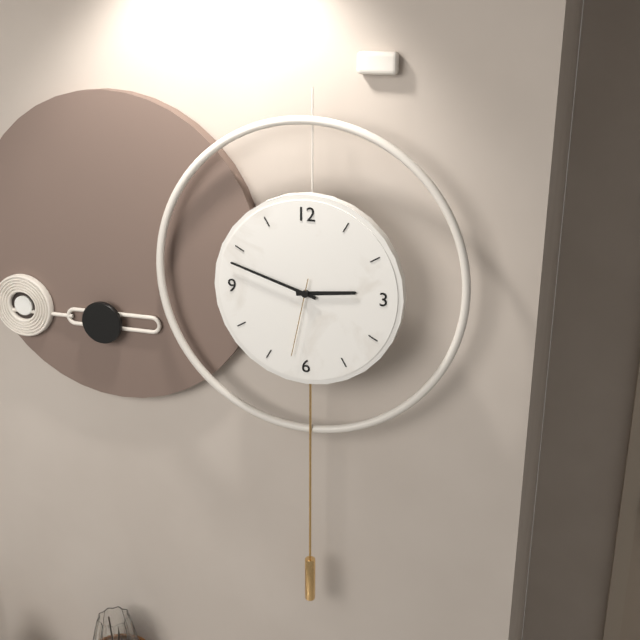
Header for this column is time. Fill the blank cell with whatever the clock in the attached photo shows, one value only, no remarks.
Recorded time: 2:48:32
